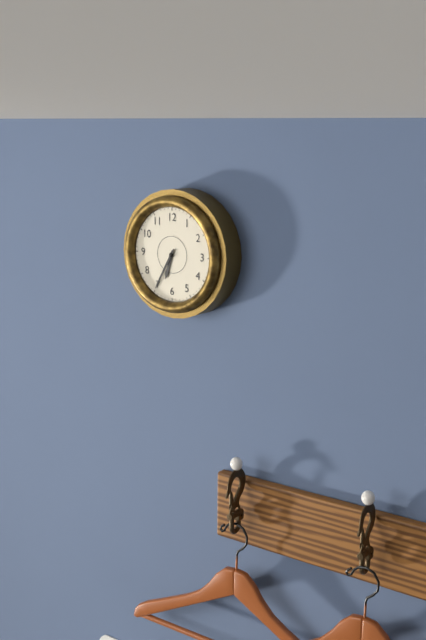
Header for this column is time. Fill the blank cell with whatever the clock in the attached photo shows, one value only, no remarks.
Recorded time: 6:35
